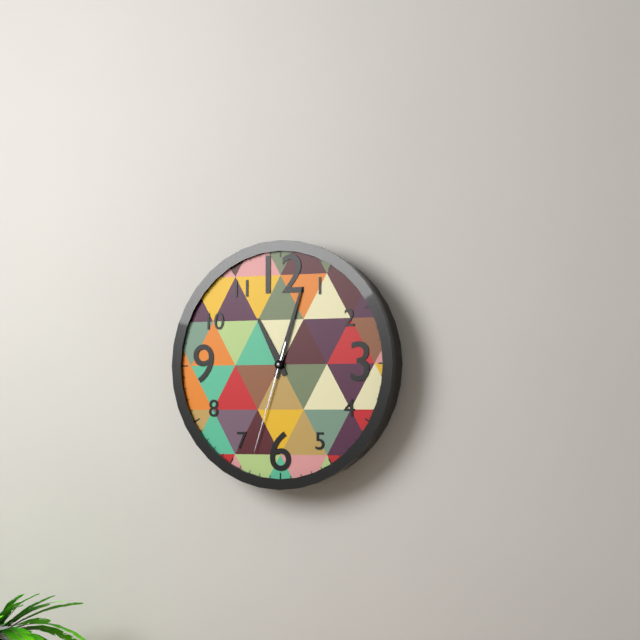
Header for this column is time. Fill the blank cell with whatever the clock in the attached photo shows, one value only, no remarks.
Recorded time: 11:03:33
